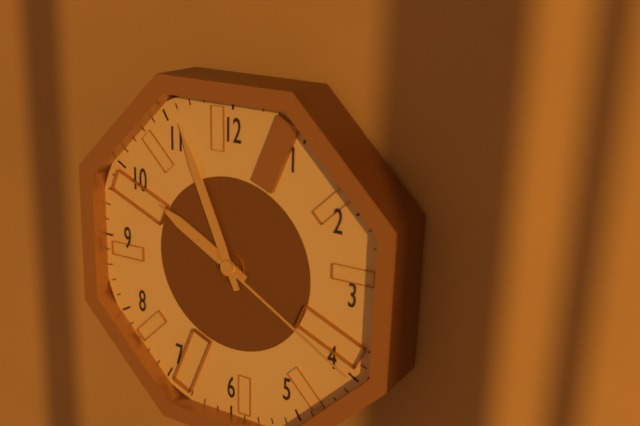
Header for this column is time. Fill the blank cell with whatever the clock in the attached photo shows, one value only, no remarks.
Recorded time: 9:56:20
